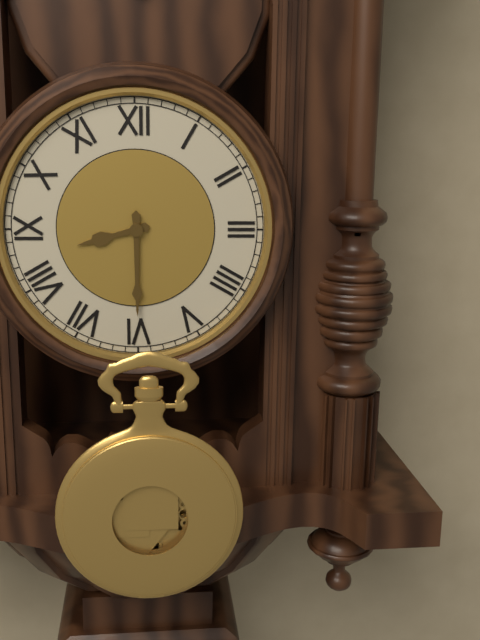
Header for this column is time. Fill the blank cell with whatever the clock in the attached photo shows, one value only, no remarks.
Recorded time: 8:30
